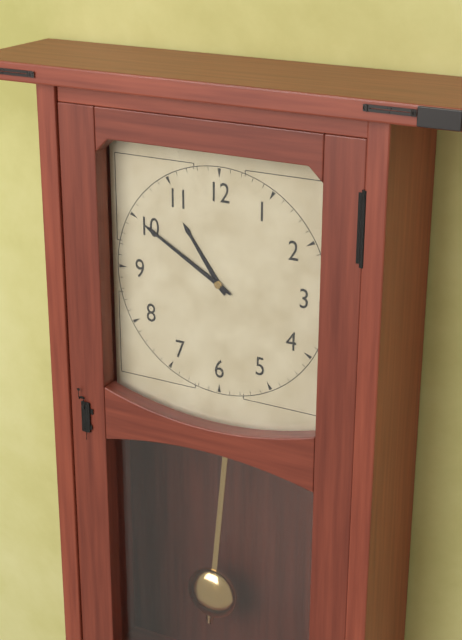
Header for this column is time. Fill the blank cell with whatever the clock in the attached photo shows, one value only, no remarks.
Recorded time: 10:50
